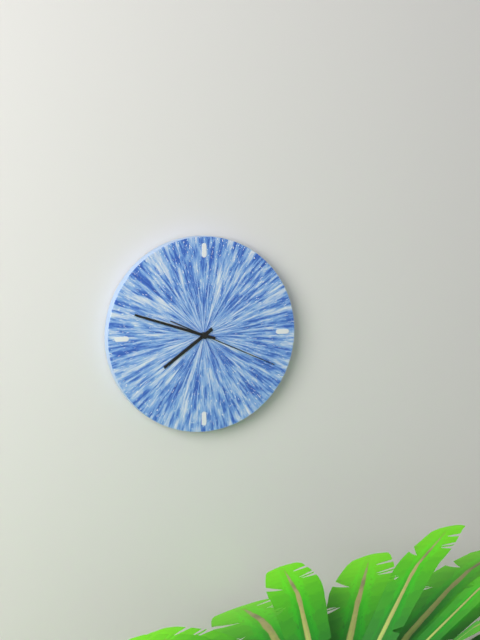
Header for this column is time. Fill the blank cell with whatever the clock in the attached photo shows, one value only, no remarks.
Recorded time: 7:48:19
